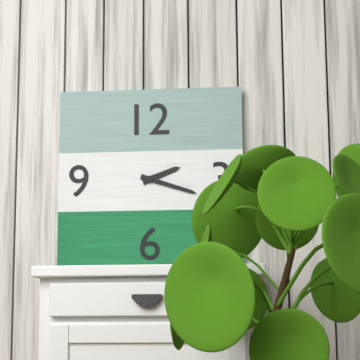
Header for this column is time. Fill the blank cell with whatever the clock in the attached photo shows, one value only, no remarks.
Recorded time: 2:18
